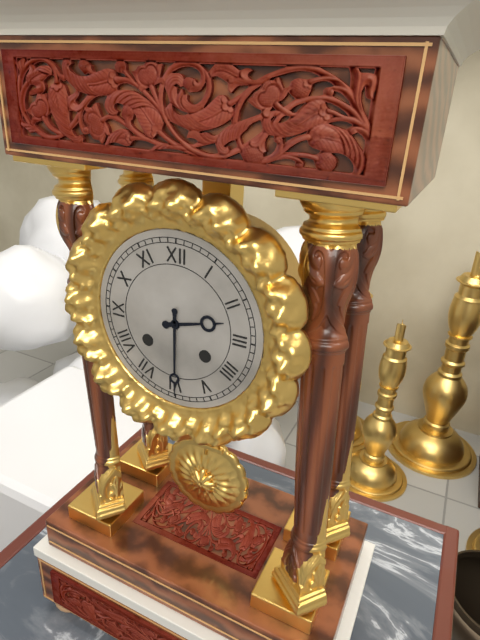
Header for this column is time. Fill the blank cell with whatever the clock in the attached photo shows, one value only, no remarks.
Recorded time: 2:30
